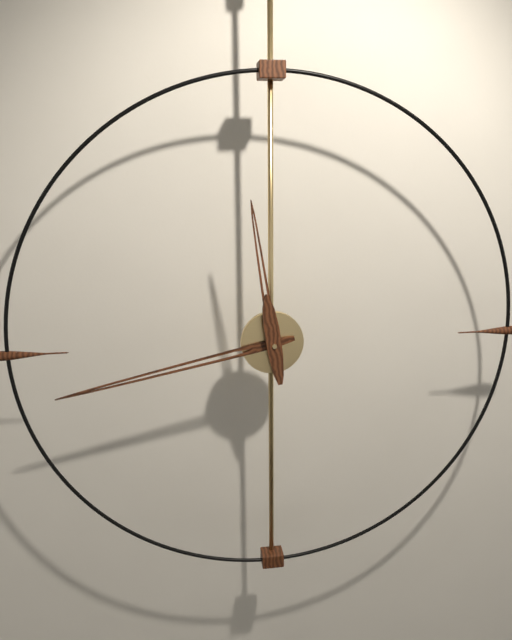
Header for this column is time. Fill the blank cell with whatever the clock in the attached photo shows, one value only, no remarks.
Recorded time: 11:43
